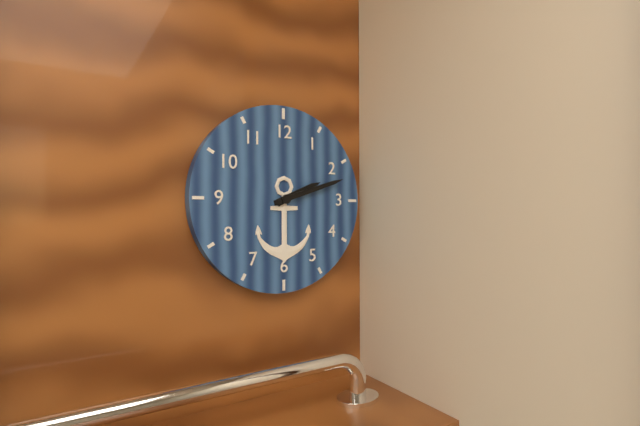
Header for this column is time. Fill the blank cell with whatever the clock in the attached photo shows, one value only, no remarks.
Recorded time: 2:12
